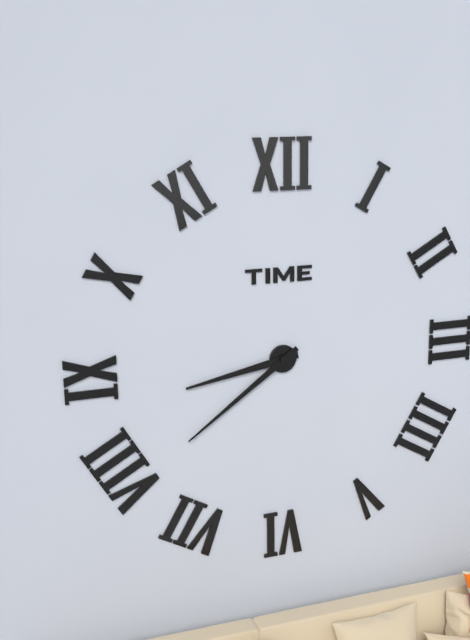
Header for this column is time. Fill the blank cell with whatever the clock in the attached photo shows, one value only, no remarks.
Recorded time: 8:39
